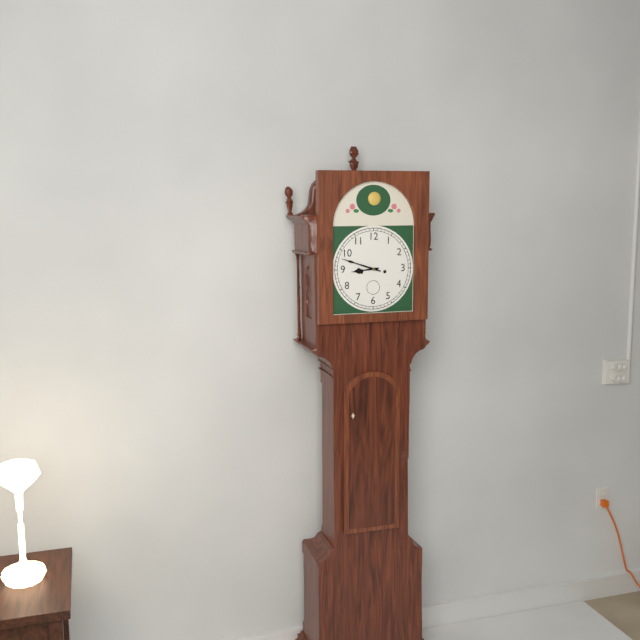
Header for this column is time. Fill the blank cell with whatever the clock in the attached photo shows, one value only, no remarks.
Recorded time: 8:48
